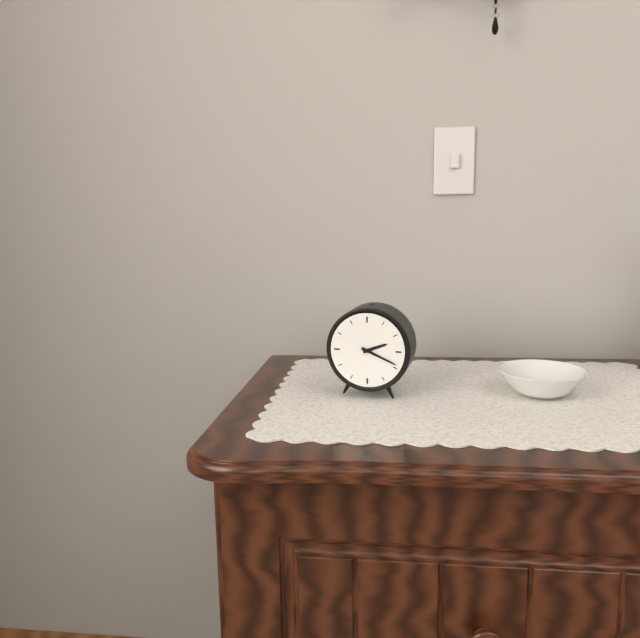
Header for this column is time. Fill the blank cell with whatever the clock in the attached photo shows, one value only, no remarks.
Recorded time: 2:19
